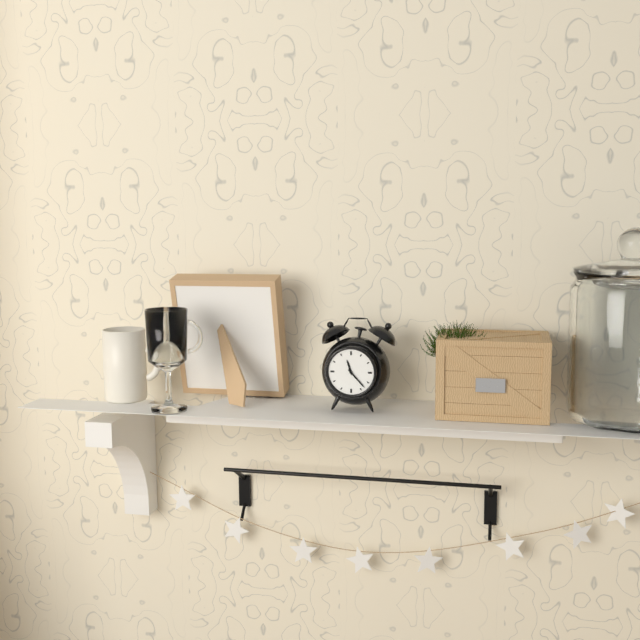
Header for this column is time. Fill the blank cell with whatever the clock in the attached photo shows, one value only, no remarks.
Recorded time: 11:23
